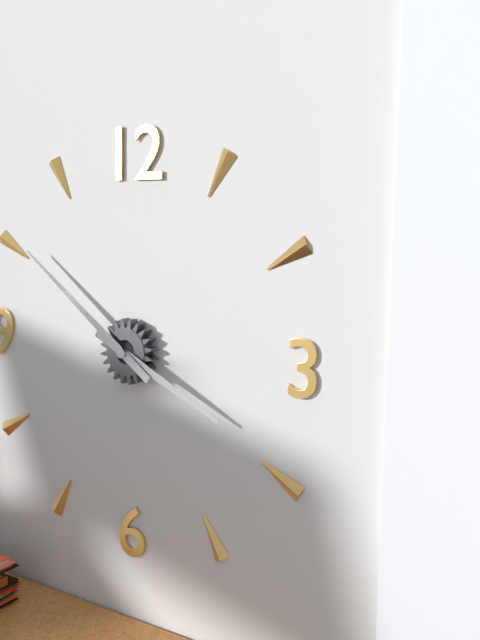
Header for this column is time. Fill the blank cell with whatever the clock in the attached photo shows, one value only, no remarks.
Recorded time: 3:51
